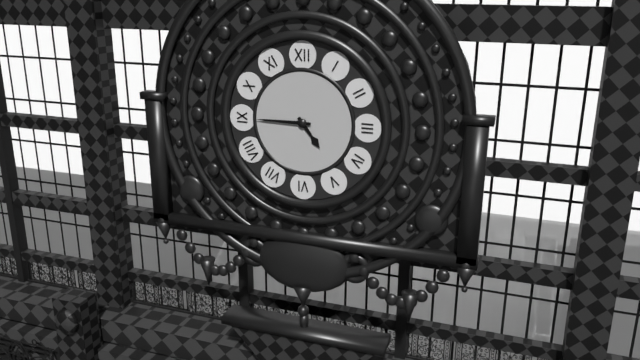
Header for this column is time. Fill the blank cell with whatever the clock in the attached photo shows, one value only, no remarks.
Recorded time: 4:45
